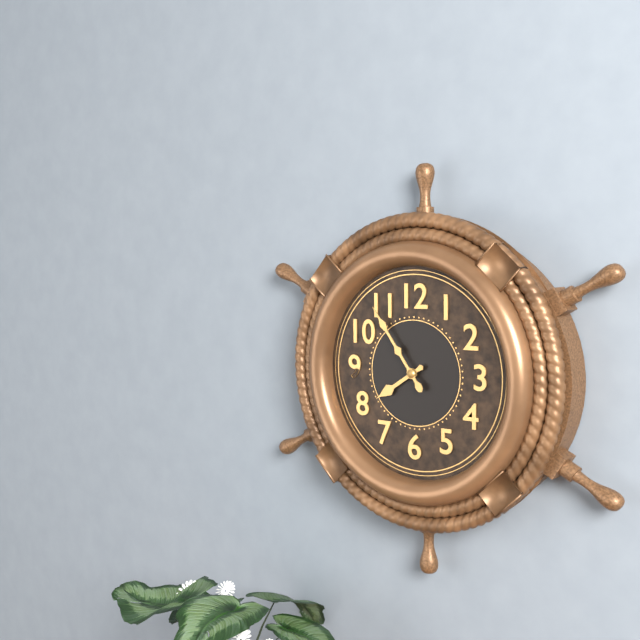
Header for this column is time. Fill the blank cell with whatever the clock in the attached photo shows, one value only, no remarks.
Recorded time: 7:54
